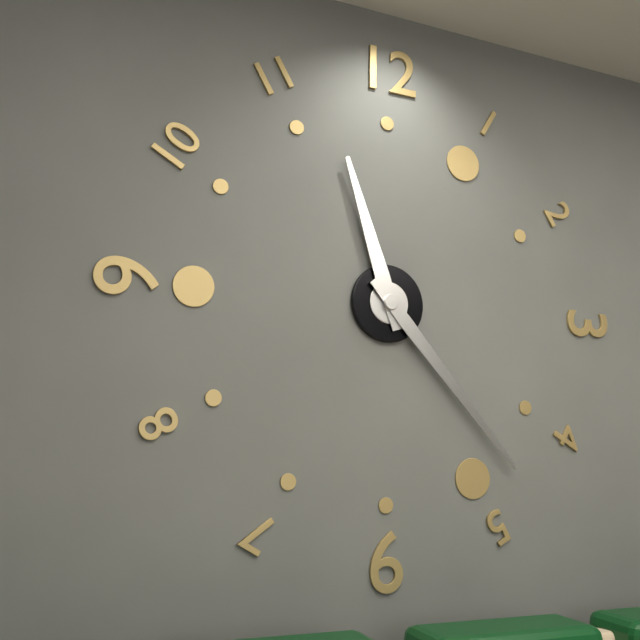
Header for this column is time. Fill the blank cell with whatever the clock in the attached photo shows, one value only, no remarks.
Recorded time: 11:23
